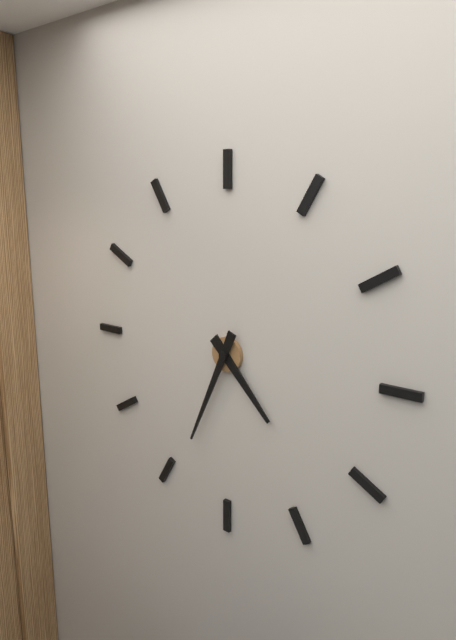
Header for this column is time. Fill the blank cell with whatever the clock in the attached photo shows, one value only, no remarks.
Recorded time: 4:34
